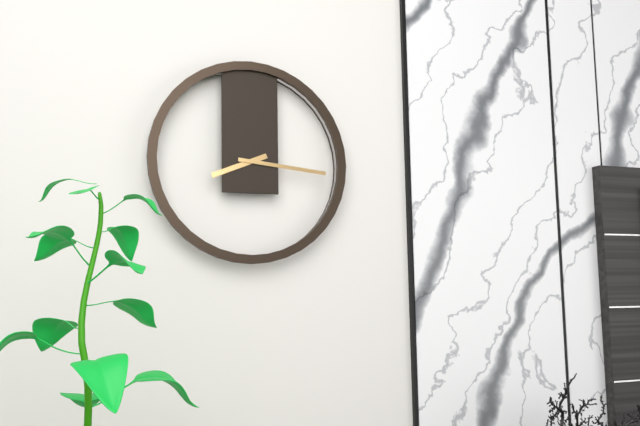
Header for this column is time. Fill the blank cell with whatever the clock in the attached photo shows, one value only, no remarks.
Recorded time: 8:16
